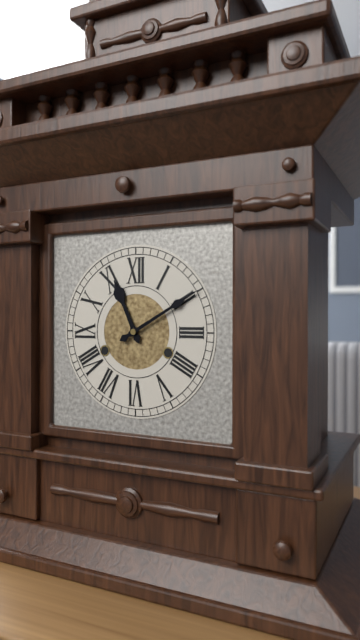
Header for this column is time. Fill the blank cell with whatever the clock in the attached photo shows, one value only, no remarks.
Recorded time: 11:10
